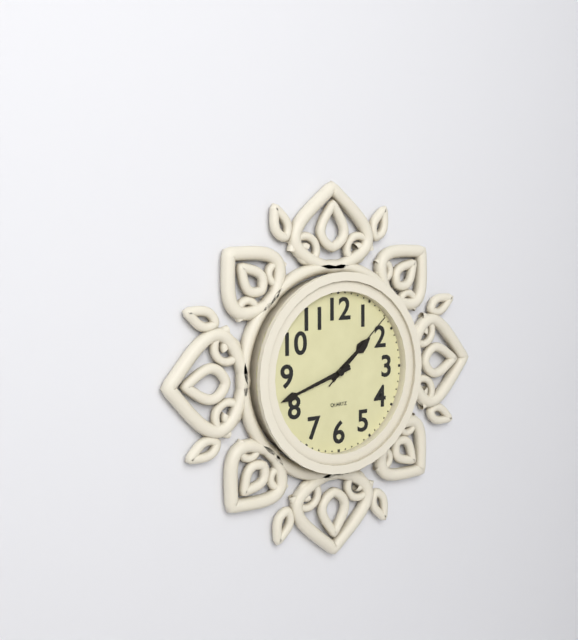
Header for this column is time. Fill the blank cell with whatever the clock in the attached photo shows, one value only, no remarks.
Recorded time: 1:42:08
